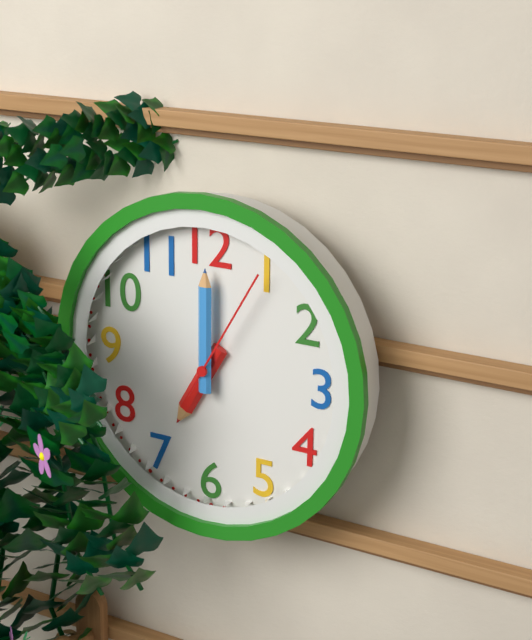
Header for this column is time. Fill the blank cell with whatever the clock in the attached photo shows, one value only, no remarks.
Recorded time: 7:00:05
